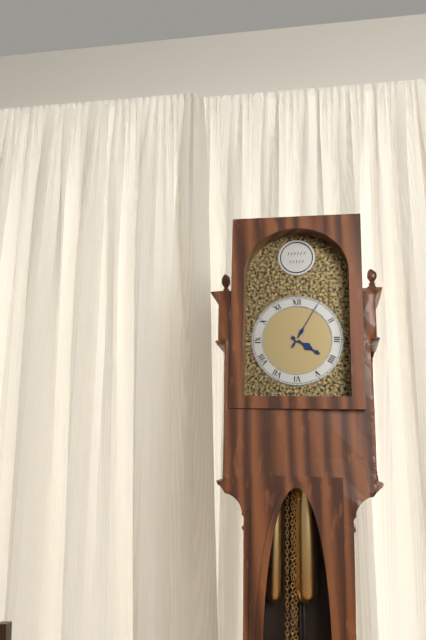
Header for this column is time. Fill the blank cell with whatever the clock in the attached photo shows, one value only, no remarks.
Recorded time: 4:05
